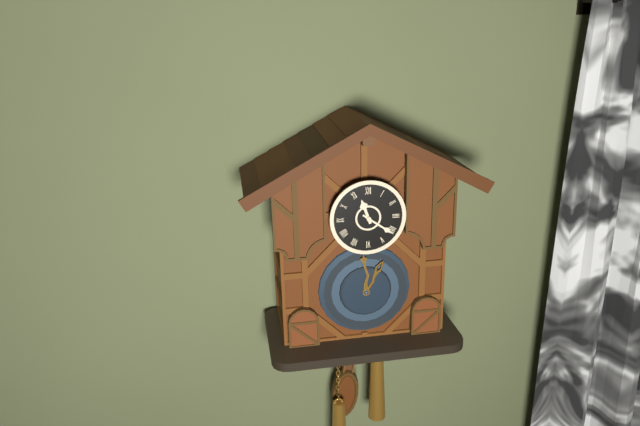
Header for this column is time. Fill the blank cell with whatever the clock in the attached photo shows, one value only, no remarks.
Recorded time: 11:21
